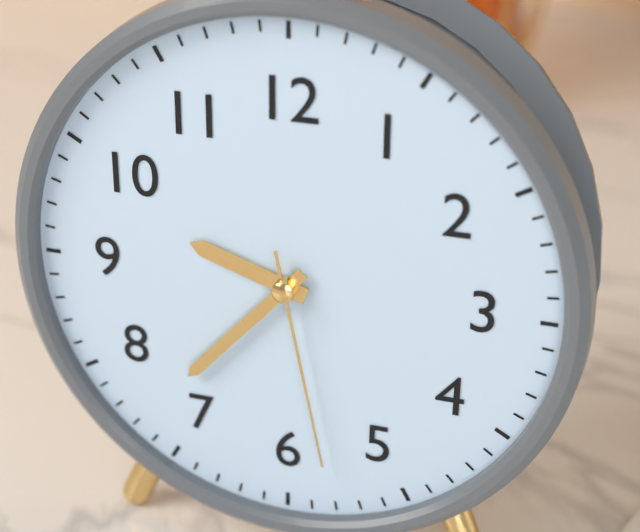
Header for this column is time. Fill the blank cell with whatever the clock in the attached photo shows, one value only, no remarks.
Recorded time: 9:37:28
